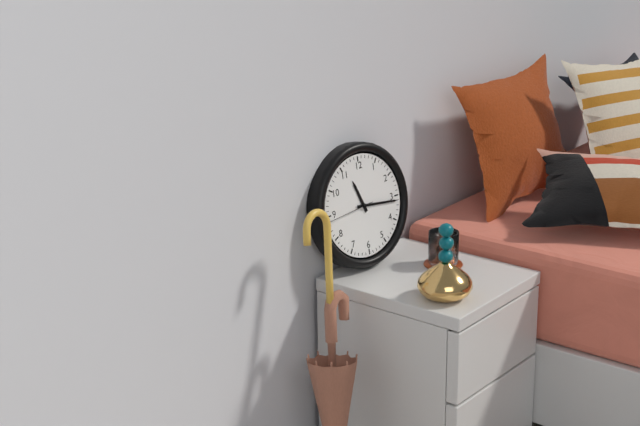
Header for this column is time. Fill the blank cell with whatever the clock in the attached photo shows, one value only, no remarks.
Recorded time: 11:16
